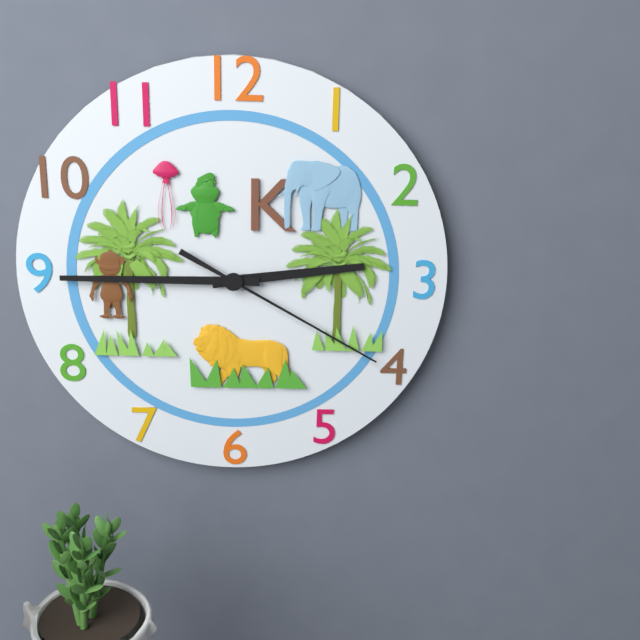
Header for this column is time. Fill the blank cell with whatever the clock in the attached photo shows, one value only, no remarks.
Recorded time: 2:45:20
